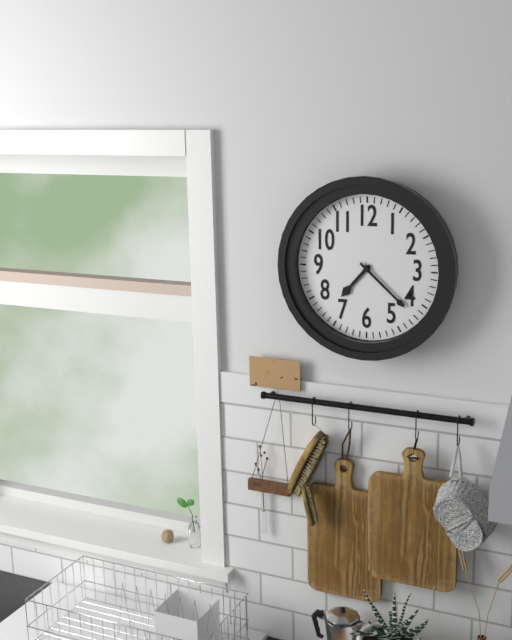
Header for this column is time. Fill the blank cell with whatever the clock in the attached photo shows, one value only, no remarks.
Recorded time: 7:22
